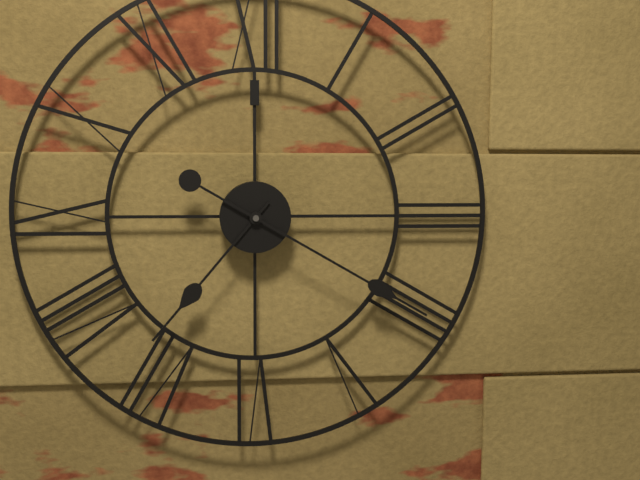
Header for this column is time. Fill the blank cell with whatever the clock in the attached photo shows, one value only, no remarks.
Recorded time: 7:20
